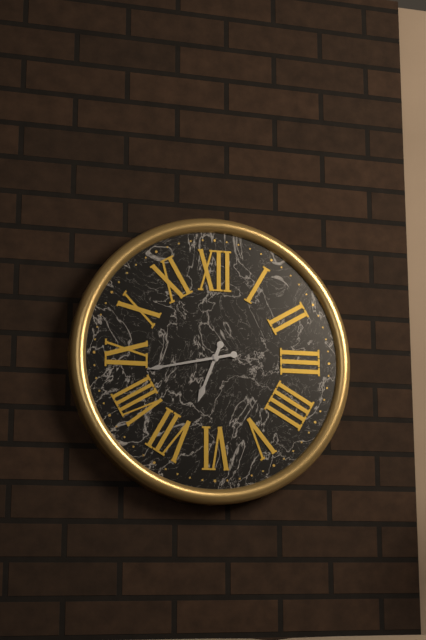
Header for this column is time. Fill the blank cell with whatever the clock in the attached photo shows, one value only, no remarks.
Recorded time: 6:43
